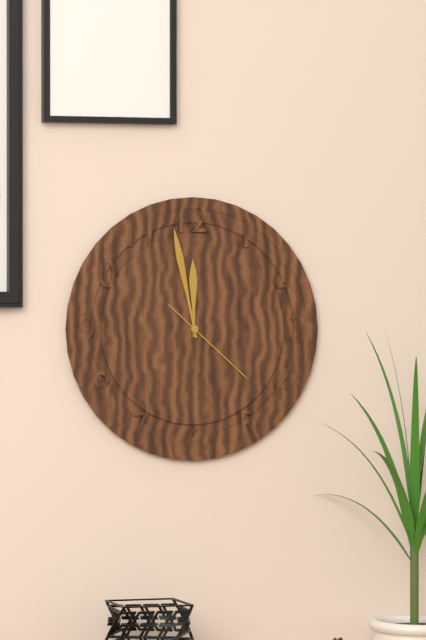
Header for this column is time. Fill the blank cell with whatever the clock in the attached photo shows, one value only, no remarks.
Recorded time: 11:58:22
